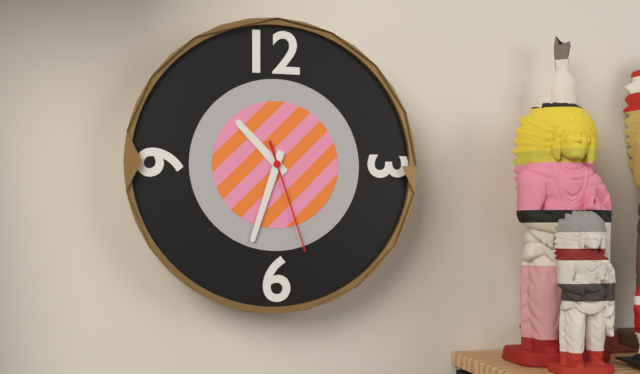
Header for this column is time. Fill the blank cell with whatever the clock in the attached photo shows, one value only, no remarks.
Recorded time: 10:33:27
